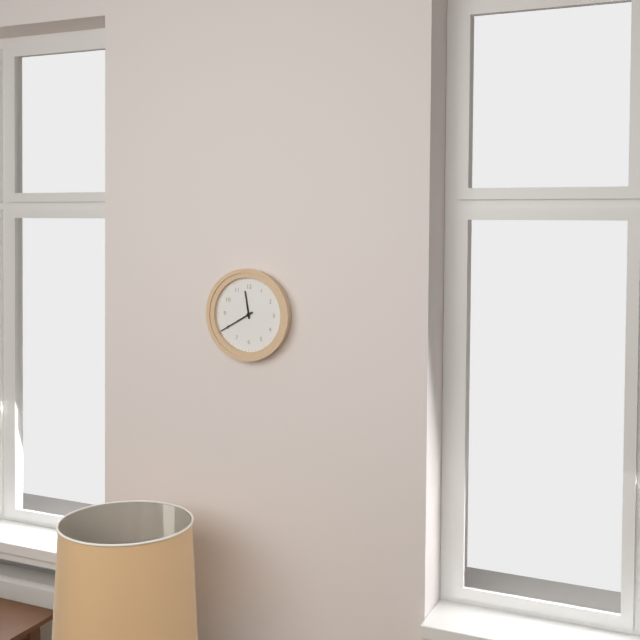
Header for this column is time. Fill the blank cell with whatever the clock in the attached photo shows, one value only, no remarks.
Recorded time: 11:40
